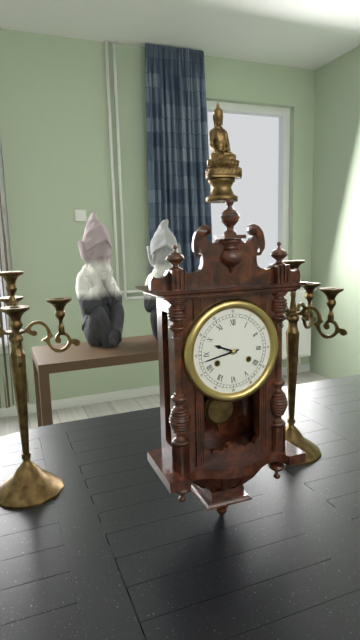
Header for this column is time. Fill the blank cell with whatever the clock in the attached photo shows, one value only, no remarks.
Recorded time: 9:43
